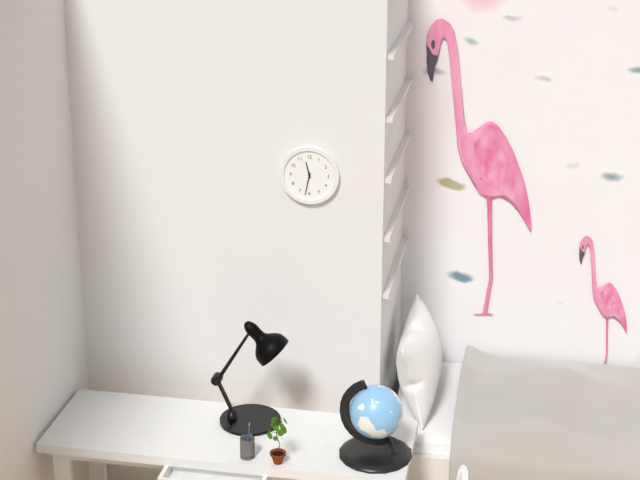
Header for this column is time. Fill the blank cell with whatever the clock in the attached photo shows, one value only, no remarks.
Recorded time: 11:32
